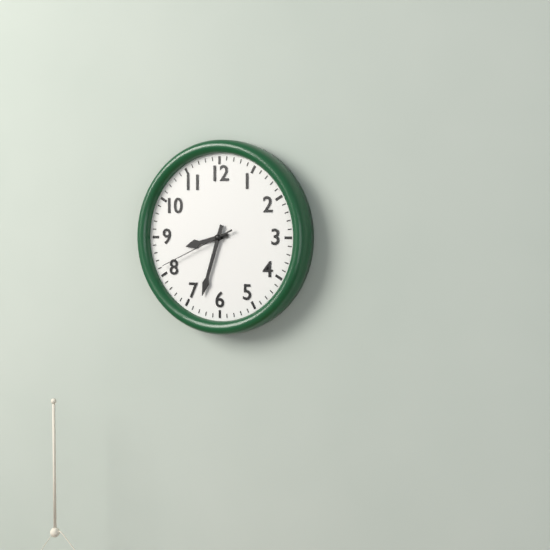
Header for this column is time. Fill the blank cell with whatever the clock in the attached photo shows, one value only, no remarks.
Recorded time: 8:33:41
